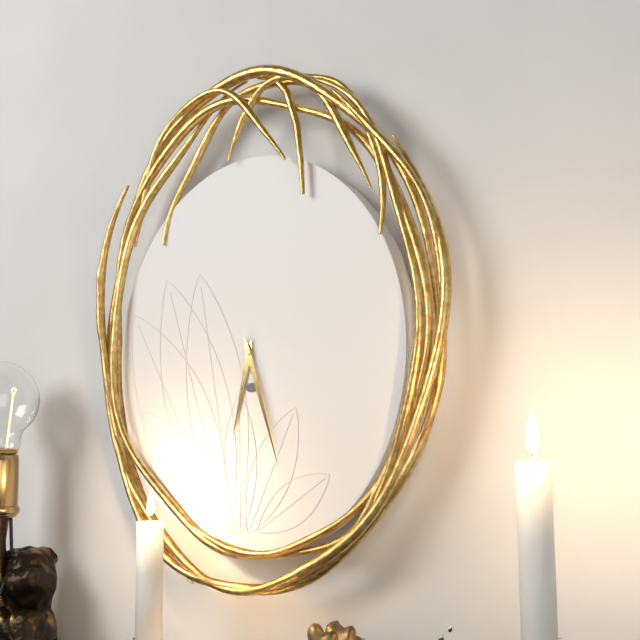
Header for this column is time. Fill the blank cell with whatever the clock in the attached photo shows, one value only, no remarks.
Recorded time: 6:27
